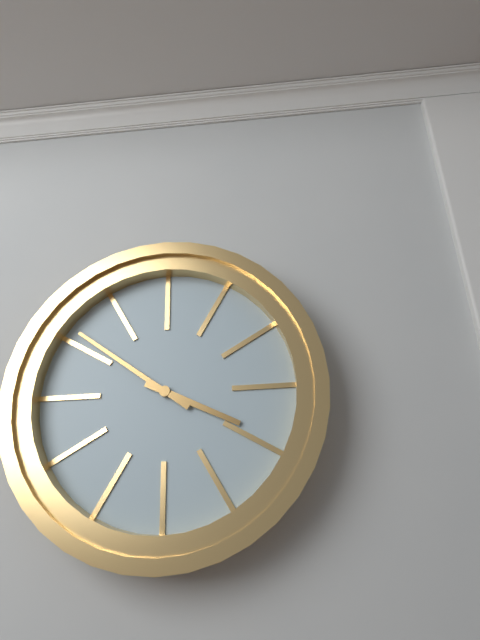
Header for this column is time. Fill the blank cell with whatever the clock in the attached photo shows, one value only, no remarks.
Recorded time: 3:51
